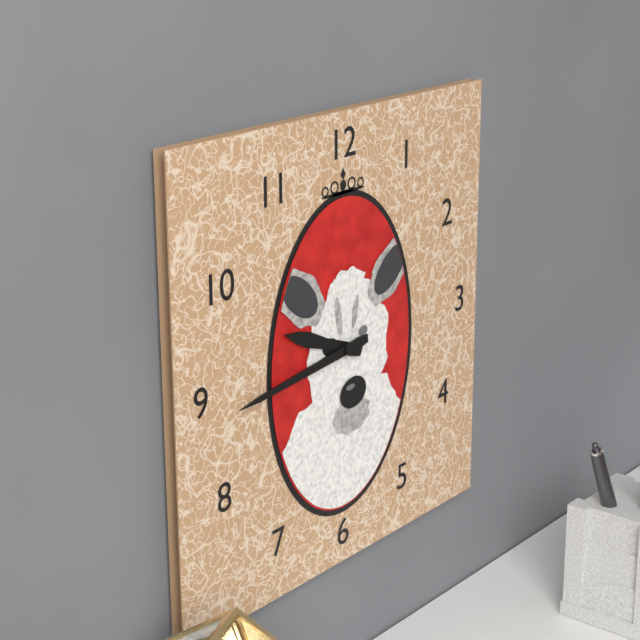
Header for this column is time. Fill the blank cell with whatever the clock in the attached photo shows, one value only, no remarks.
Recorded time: 9:44
